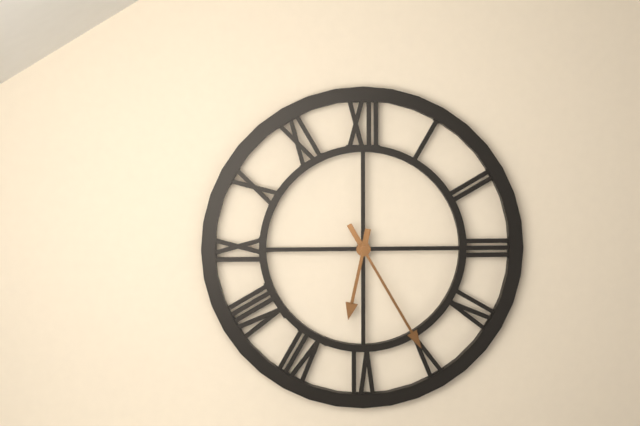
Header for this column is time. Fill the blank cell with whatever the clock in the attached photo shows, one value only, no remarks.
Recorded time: 6:25
